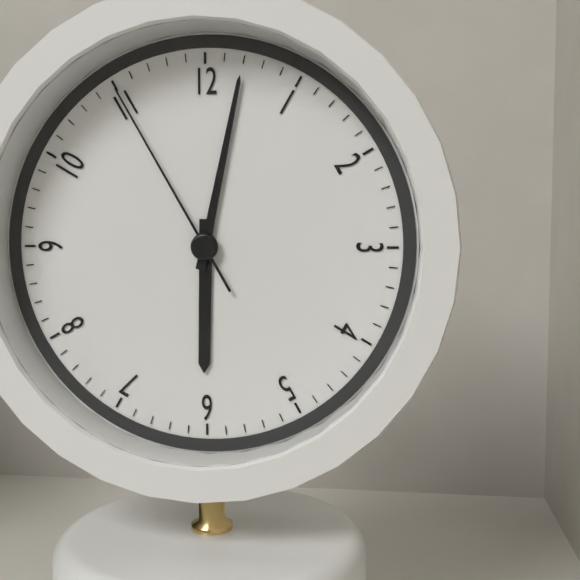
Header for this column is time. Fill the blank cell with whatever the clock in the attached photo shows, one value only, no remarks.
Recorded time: 6:02:55
